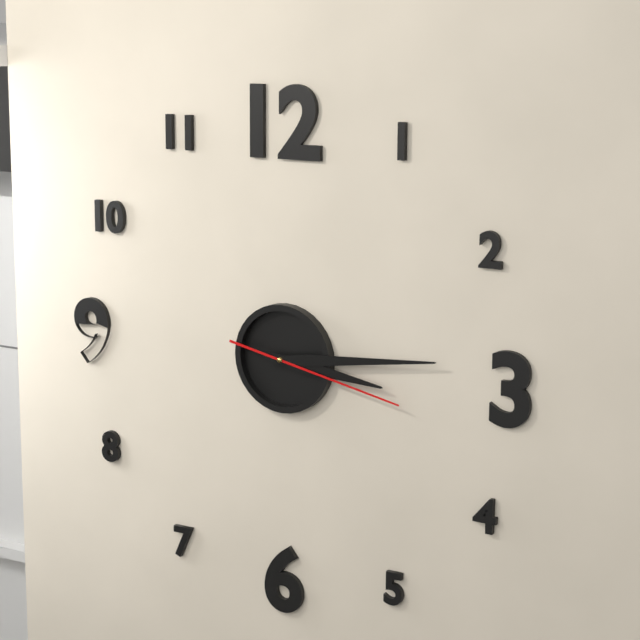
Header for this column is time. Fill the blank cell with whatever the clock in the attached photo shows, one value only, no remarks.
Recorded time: 3:14:17
